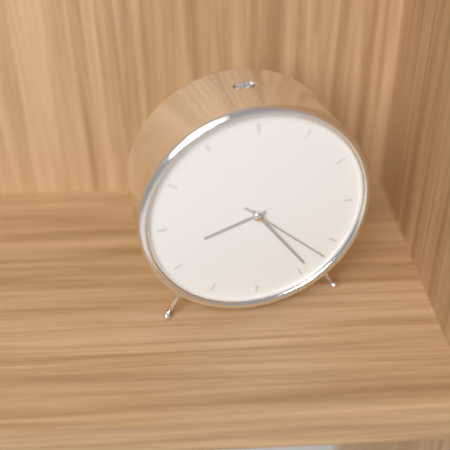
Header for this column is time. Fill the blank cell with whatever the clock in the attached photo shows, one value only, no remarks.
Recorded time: 8:24:22
